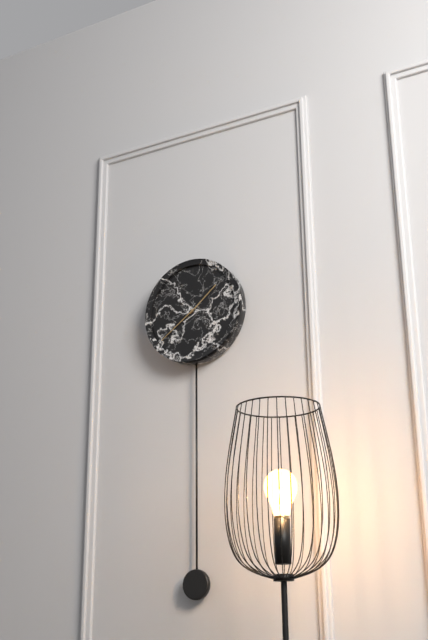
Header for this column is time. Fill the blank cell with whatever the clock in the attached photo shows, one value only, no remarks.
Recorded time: 1:39
